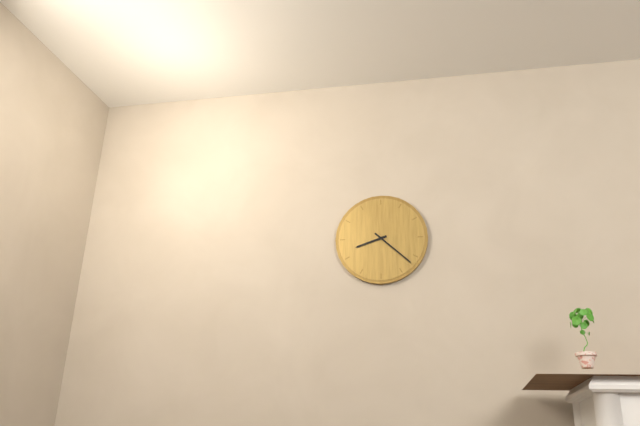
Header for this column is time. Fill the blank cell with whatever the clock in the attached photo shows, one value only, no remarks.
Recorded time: 8:22
